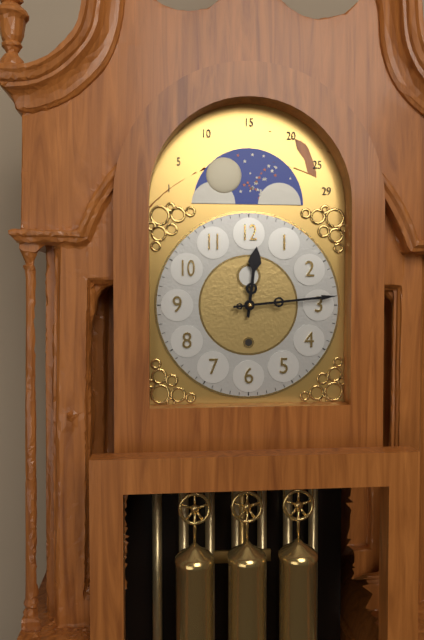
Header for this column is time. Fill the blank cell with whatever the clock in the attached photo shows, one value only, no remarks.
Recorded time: 12:14
